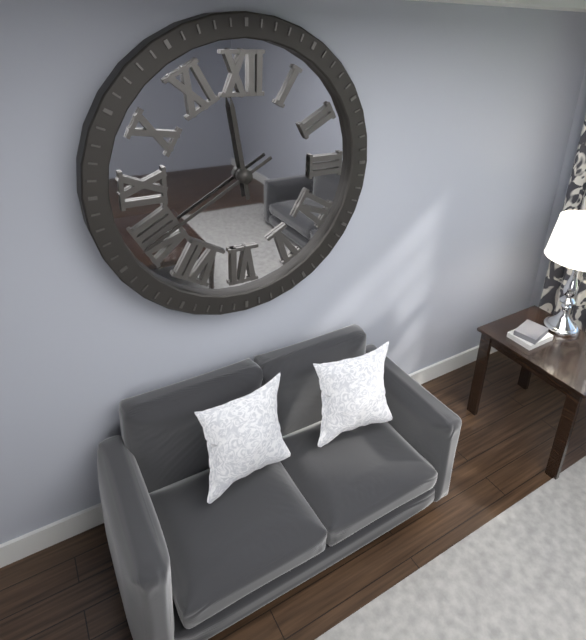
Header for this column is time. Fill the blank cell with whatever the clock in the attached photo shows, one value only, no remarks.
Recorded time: 11:40
